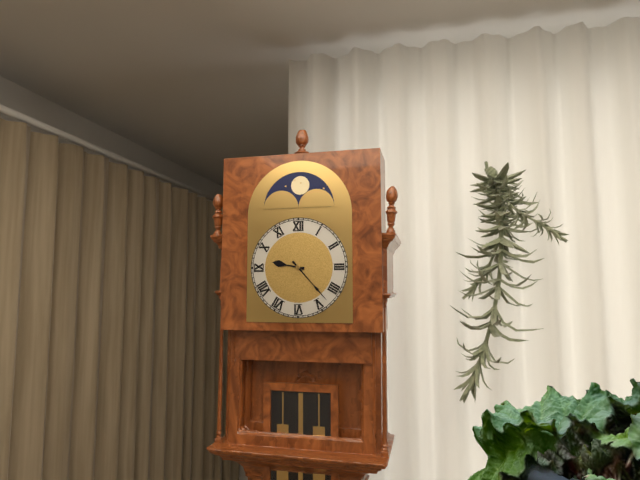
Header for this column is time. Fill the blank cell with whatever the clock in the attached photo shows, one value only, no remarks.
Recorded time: 9:23
